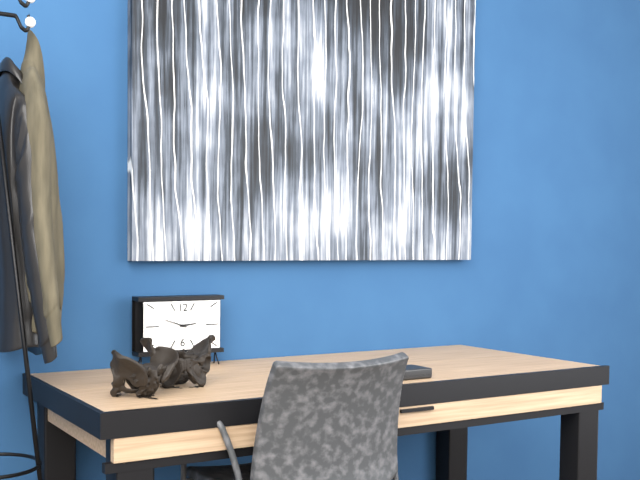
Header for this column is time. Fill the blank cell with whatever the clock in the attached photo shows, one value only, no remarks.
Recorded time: 2:48
